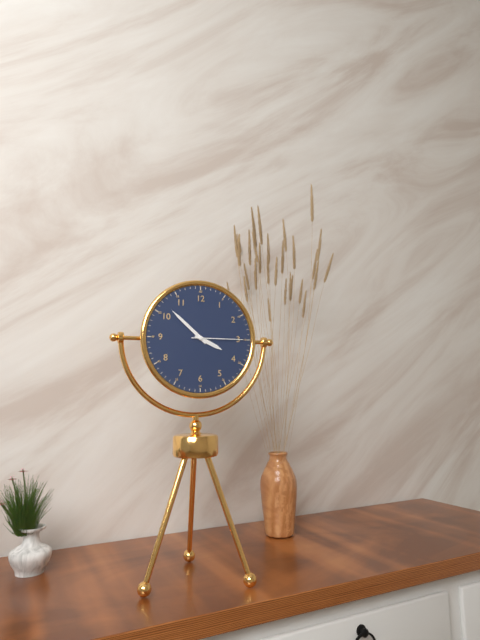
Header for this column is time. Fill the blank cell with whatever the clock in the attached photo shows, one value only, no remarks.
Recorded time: 3:52:15
